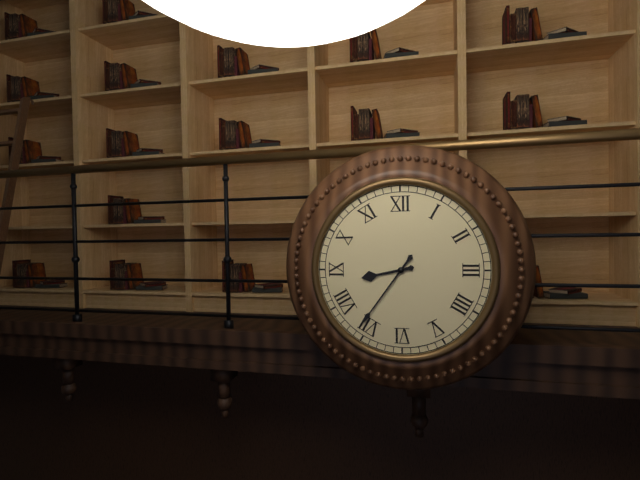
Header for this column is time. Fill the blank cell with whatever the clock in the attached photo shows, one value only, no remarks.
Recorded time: 8:36
